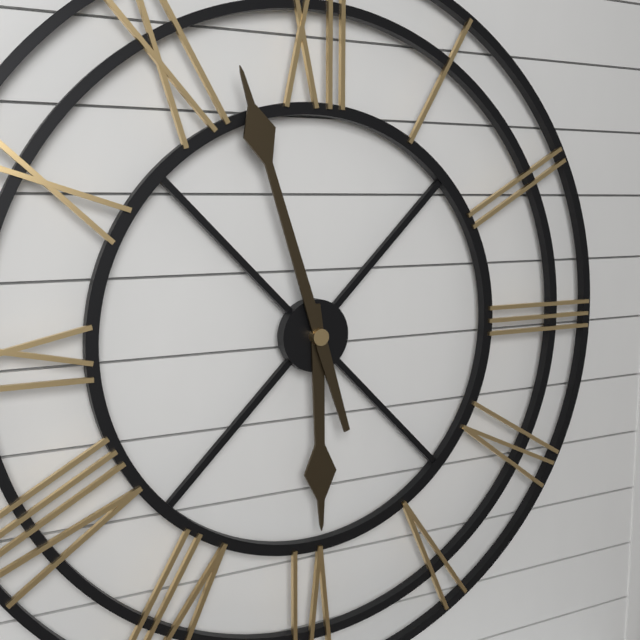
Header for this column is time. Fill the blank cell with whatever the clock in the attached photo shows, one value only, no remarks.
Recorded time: 5:57
